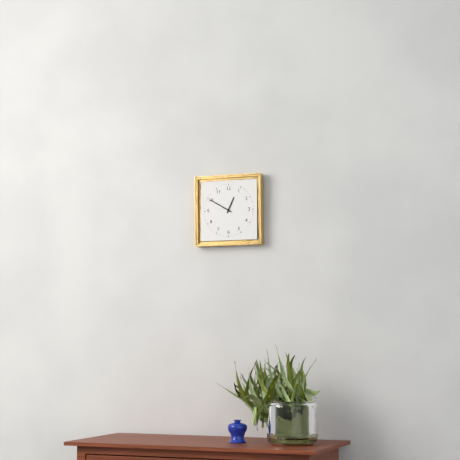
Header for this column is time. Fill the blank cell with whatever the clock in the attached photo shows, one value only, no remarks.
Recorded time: 12:50
